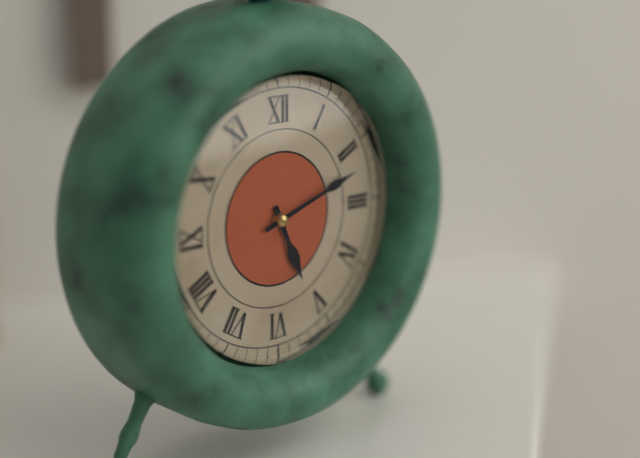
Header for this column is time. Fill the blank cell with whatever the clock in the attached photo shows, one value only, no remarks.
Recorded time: 5:12
